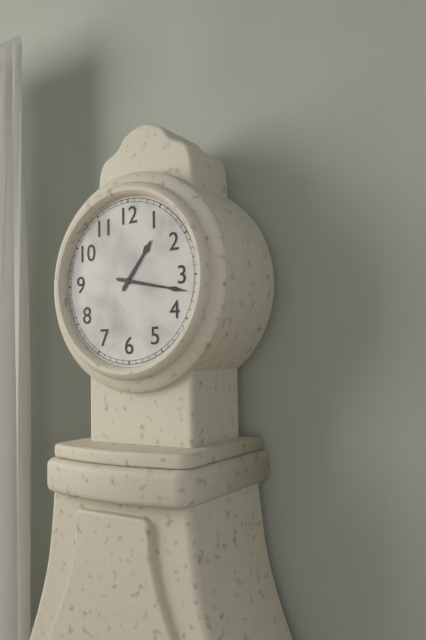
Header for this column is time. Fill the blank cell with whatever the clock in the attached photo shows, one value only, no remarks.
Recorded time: 1:17
